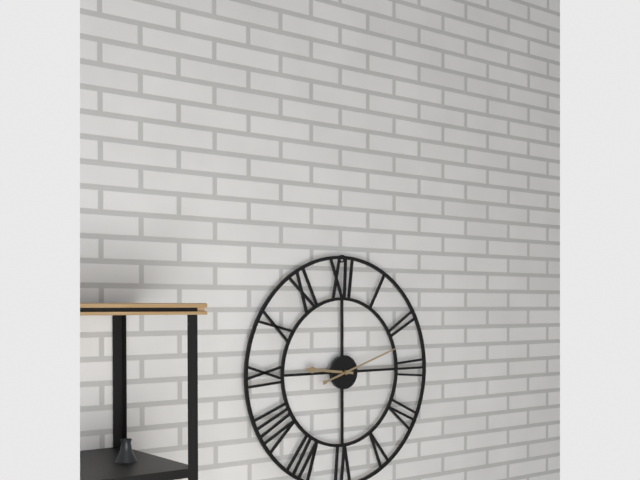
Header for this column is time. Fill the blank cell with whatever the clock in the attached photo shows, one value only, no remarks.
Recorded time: 9:12
